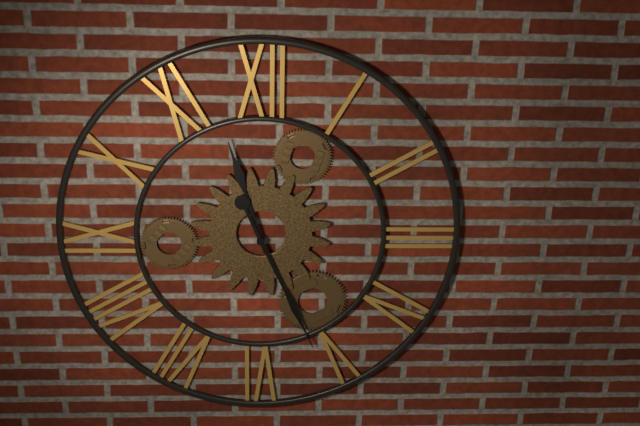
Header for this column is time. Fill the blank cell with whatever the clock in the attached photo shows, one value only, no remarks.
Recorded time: 11:26
